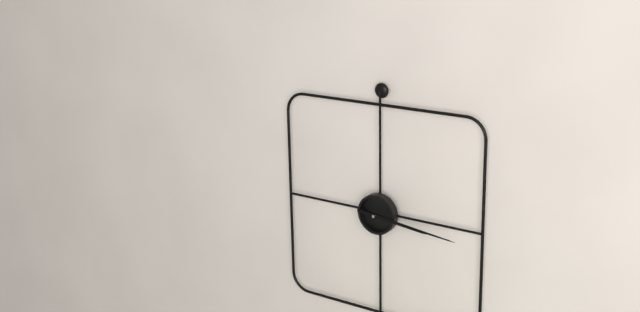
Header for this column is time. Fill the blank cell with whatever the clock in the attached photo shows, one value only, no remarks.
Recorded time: 3:16
